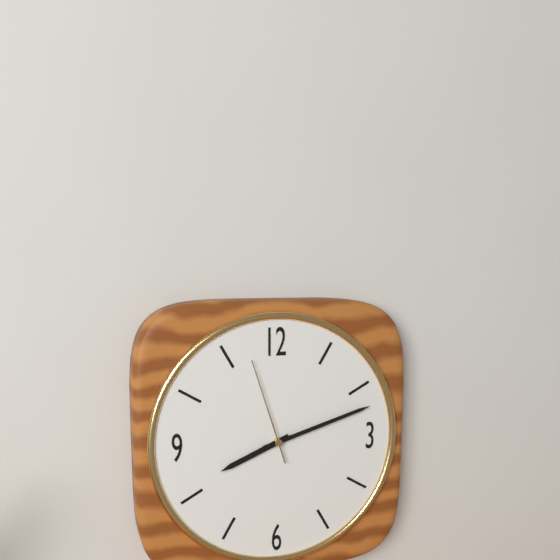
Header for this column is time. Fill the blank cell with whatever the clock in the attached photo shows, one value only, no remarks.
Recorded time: 8:12:57
